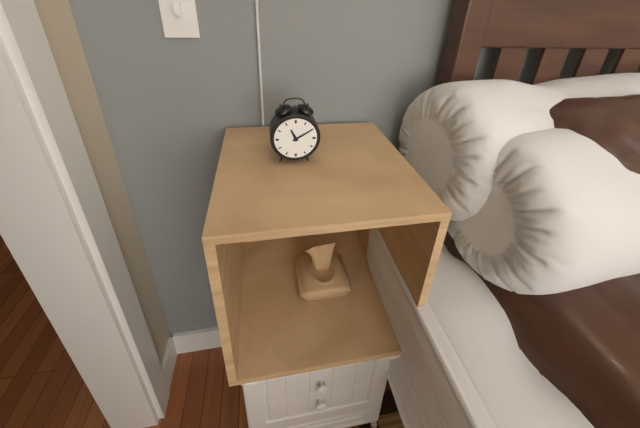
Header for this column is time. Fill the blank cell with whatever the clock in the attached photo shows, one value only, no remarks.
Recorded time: 11:10
